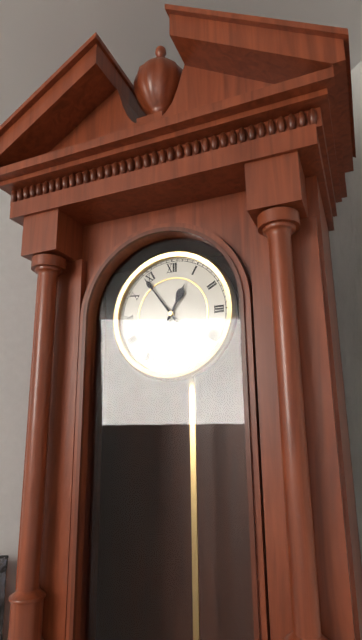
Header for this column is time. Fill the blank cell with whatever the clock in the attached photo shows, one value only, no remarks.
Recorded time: 12:54
